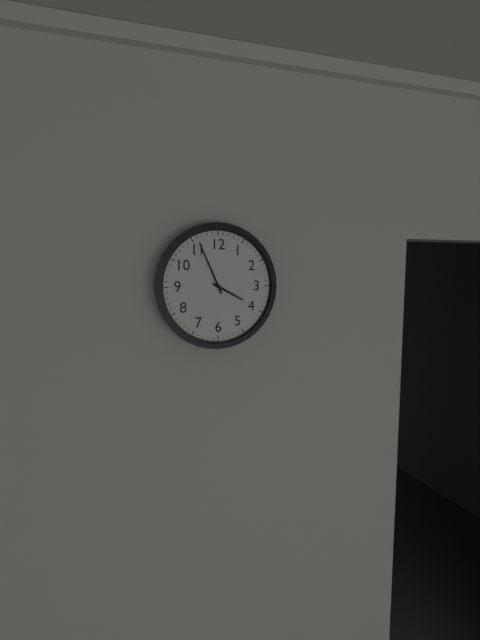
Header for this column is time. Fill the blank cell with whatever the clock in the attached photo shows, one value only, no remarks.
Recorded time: 3:56
